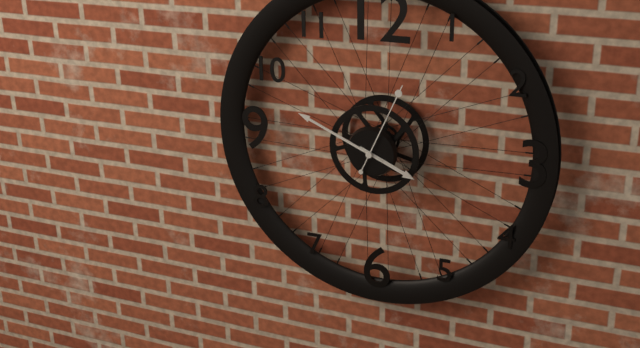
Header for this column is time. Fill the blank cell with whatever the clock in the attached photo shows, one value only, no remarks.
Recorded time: 3:49:04
